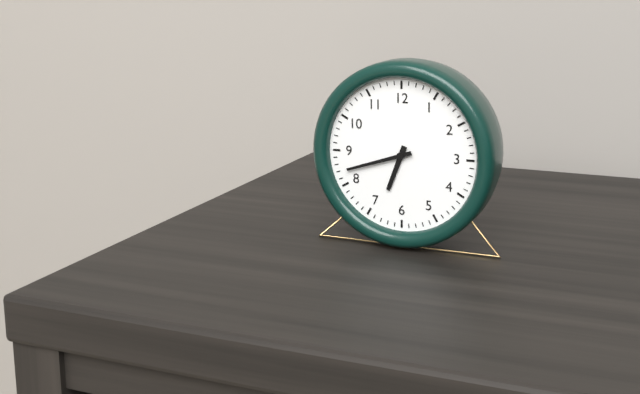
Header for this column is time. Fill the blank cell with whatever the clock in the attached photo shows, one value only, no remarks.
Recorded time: 6:42
